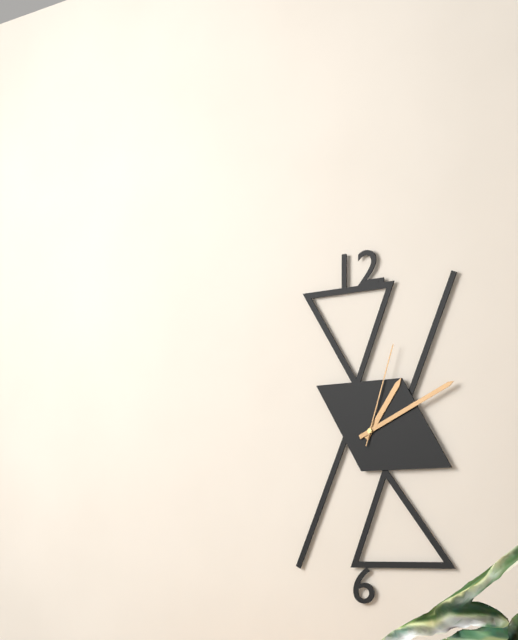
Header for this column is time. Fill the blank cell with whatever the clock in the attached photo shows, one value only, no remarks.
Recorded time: 1:11:03
